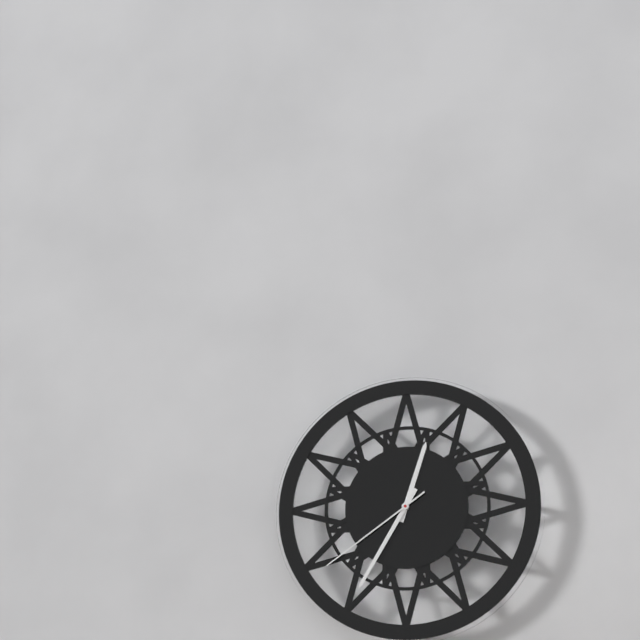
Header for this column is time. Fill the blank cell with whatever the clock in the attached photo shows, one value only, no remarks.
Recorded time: 12:35:39
